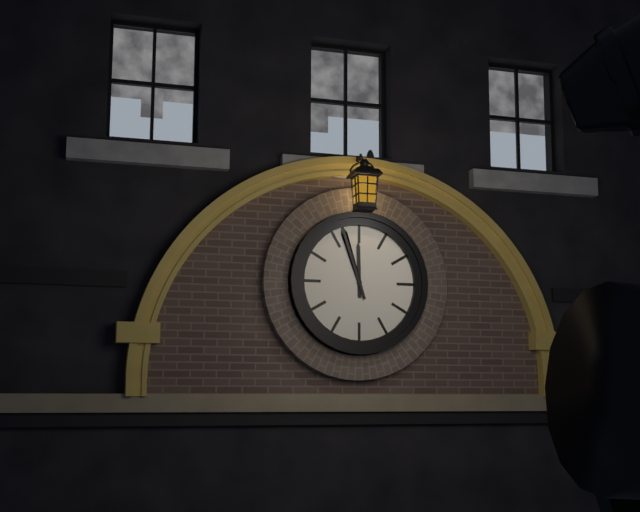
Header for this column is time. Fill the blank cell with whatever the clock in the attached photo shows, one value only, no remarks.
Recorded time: 11:57
